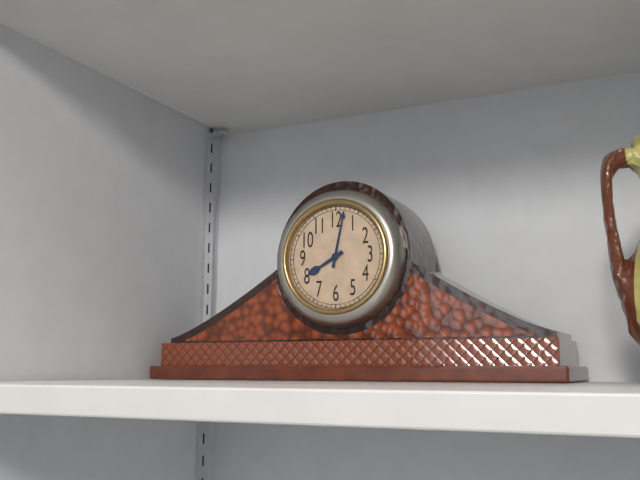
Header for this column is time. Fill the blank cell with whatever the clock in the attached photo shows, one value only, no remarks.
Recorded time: 8:02
